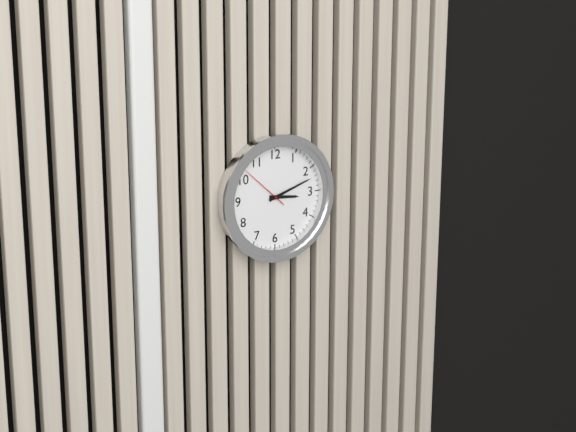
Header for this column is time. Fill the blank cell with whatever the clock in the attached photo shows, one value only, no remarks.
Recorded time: 3:12:52
